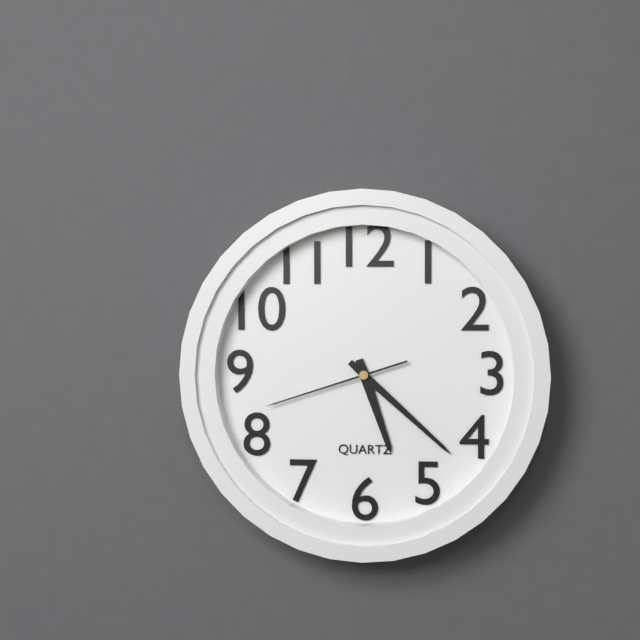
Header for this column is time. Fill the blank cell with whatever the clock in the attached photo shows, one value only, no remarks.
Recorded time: 5:22:42
